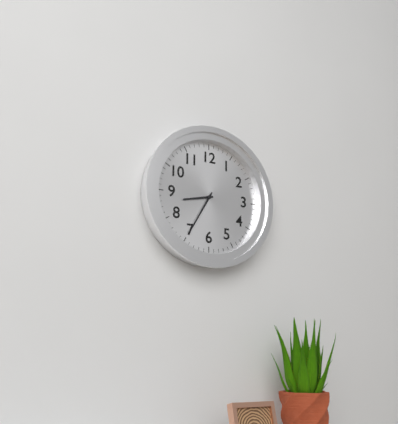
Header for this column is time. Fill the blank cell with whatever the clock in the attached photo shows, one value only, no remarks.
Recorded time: 8:35
